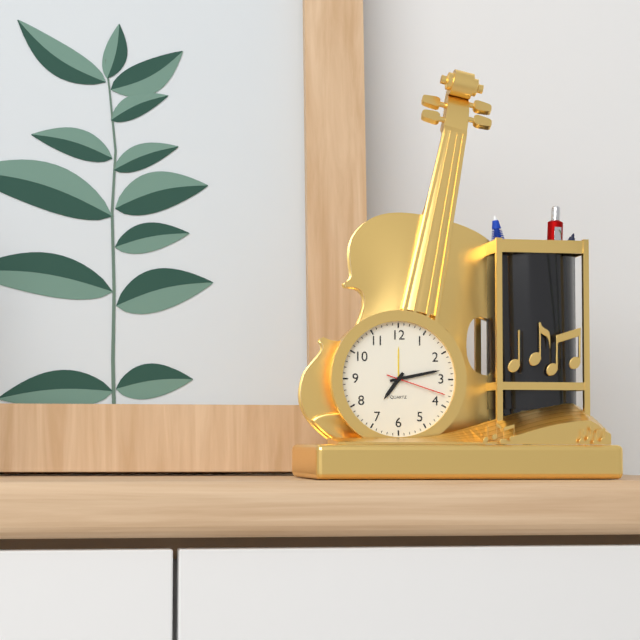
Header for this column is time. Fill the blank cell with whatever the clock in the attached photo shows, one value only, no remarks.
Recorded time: 7:13:18
